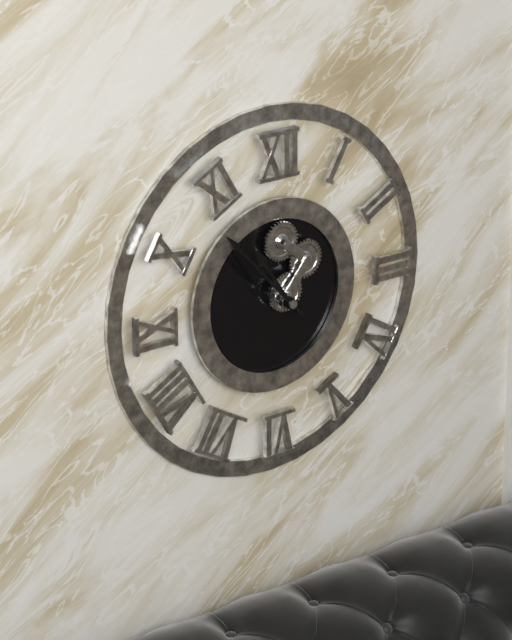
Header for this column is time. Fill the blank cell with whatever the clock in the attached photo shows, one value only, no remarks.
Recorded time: 10:53
